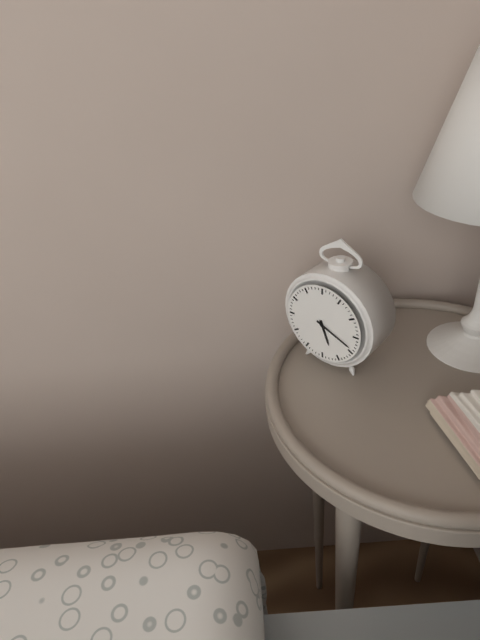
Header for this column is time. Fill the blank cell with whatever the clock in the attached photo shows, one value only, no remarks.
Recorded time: 5:19
